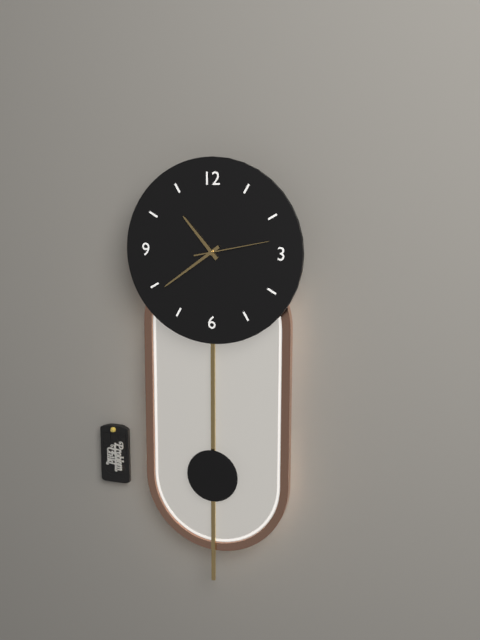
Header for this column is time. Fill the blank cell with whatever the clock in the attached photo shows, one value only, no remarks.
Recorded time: 10:39:13
